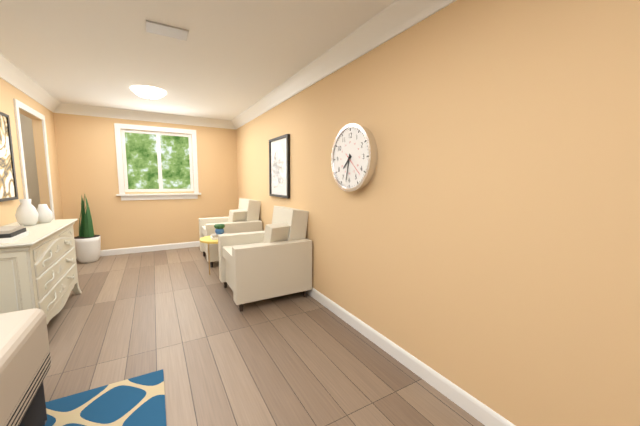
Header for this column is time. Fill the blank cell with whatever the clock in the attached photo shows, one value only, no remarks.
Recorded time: 7:32
